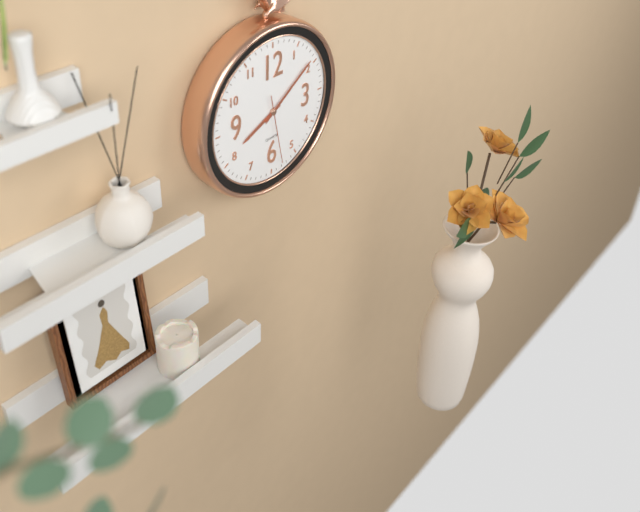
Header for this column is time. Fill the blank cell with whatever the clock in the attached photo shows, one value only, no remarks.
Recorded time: 8:09:28
